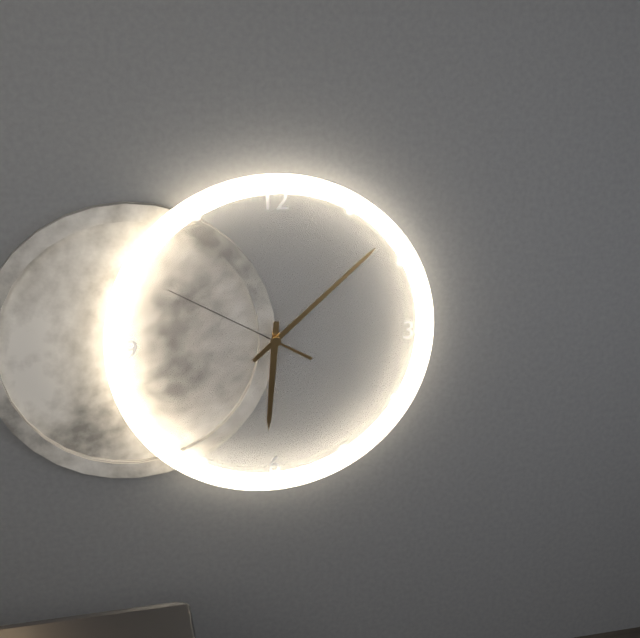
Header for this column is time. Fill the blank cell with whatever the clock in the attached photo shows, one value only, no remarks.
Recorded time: 6:08:50
